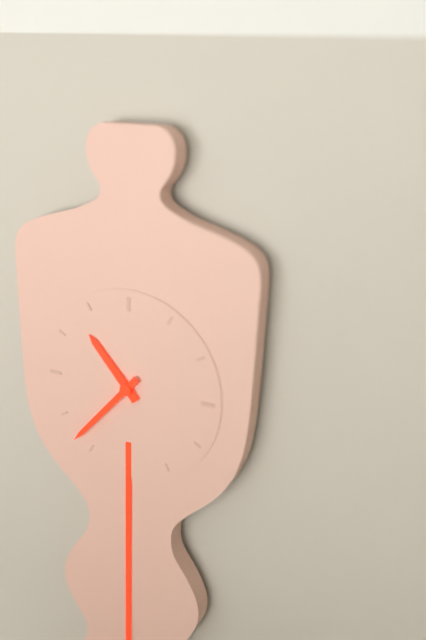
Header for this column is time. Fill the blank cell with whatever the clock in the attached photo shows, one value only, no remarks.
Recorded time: 10:37
